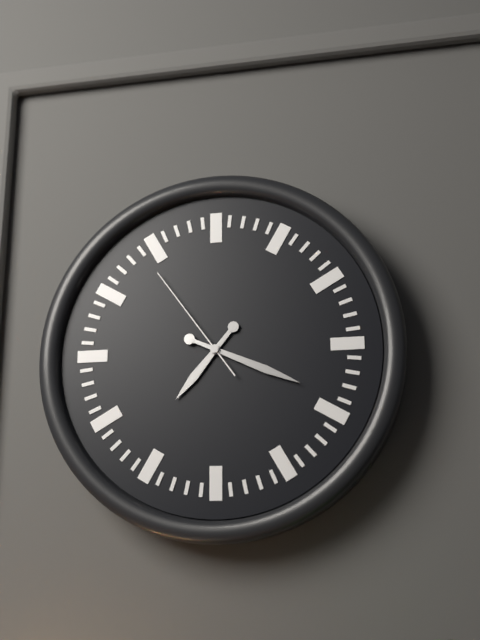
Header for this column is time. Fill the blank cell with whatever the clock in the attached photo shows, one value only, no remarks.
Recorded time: 7:19:54
